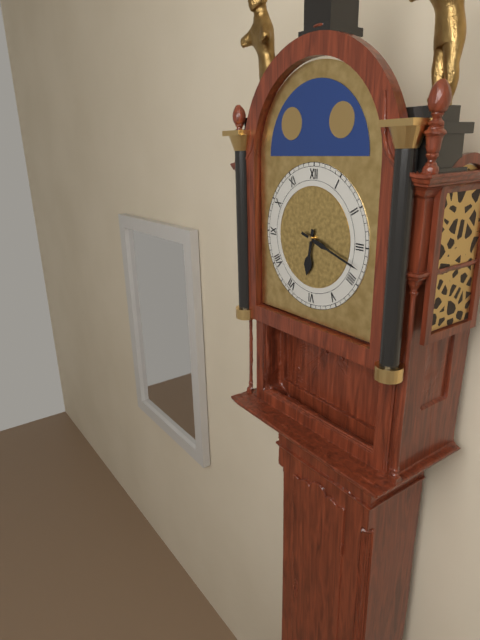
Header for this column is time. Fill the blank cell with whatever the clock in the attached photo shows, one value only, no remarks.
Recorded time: 6:18
